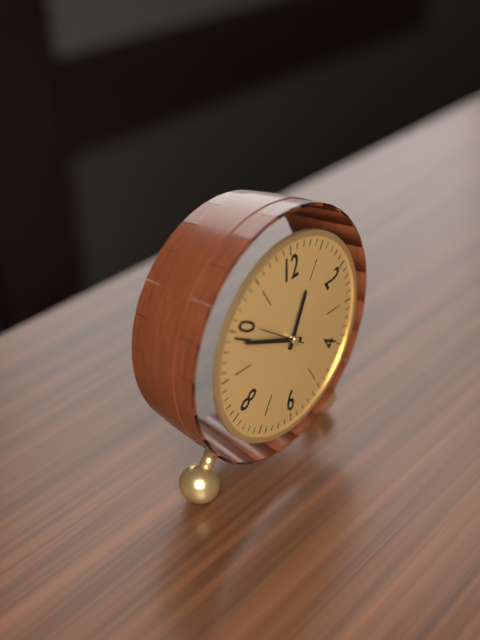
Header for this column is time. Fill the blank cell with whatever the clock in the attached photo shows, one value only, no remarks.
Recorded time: 12:49
